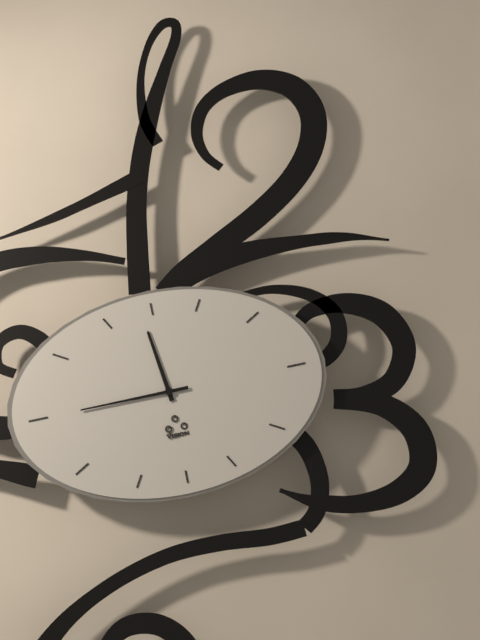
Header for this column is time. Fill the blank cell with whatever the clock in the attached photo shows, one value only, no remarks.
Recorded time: 11:45
